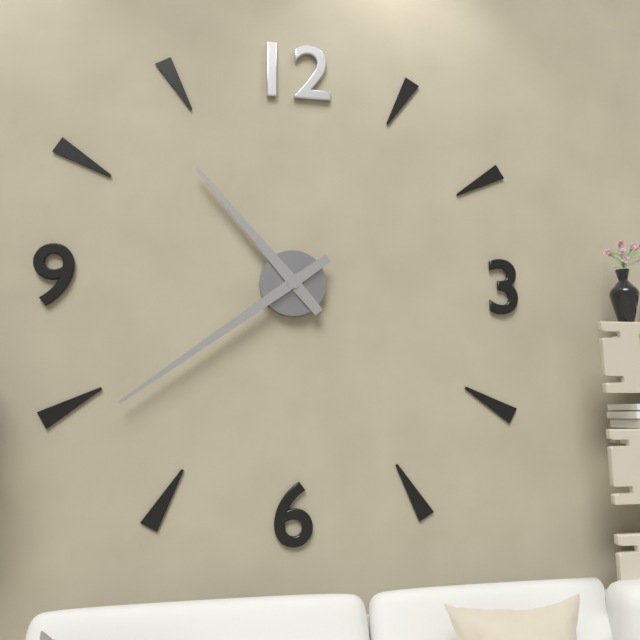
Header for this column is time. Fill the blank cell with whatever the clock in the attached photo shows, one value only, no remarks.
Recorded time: 10:39
